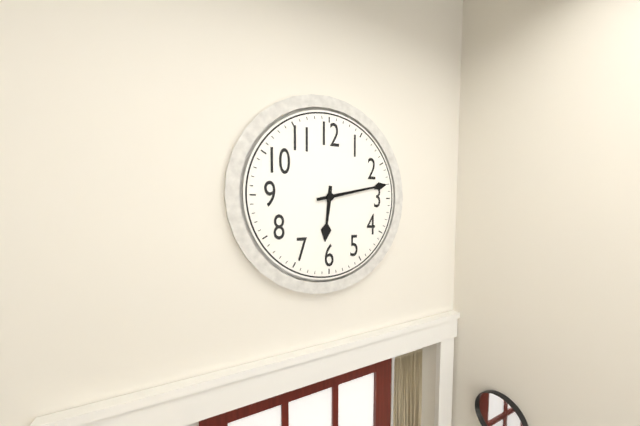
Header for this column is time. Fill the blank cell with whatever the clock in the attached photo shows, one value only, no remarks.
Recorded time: 6:13
